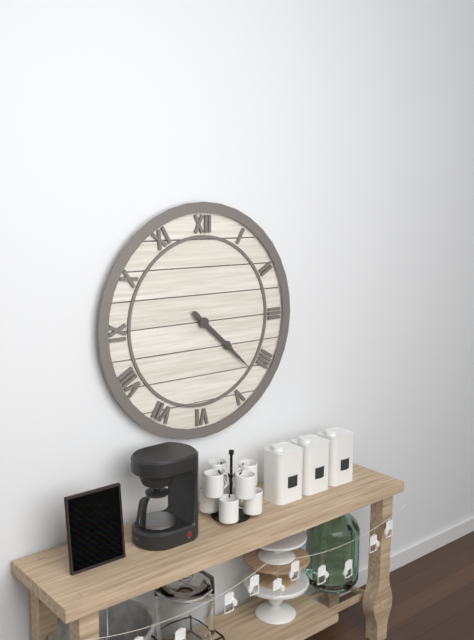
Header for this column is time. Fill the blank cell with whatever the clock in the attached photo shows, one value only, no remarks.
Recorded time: 4:22
